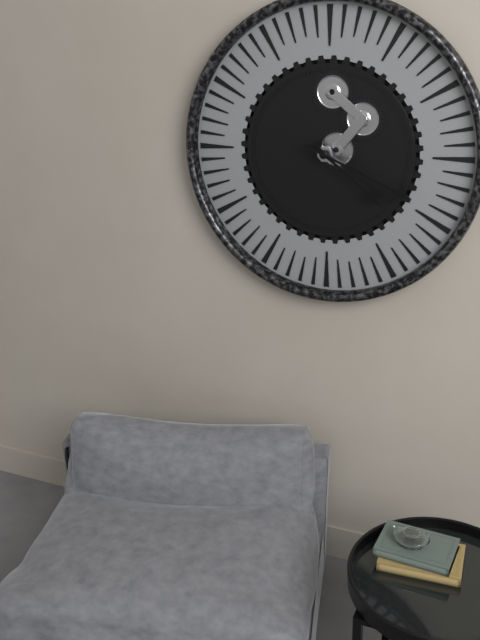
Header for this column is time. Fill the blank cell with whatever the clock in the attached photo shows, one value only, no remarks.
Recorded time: 4:19
